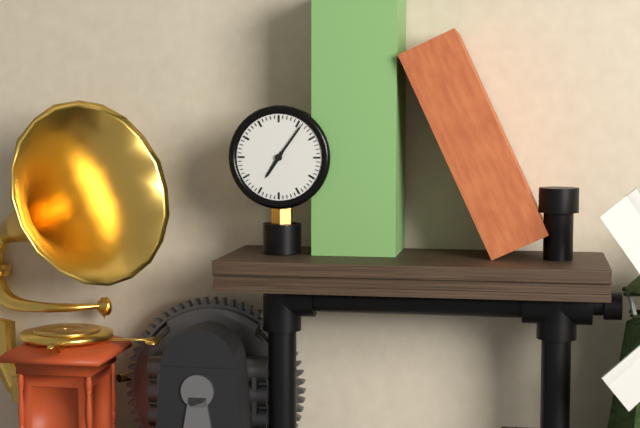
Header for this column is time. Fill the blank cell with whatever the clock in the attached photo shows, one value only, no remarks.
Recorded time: 7:06
